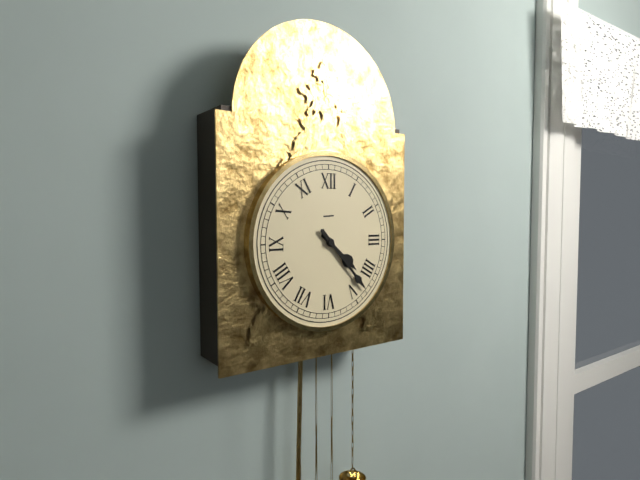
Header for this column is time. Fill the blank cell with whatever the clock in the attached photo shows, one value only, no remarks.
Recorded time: 4:23
